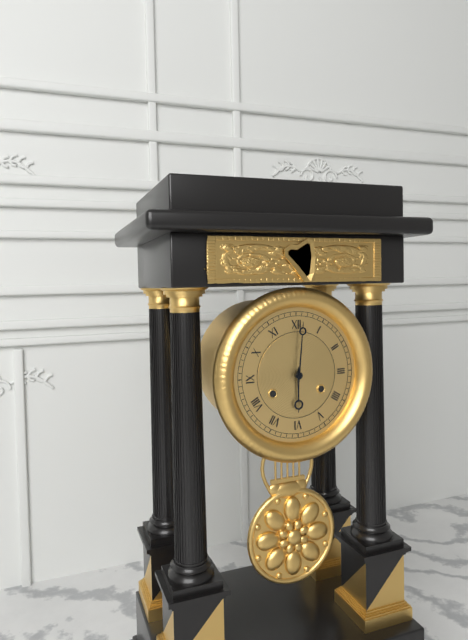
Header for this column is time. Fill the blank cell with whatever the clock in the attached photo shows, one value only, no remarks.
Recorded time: 6:01
